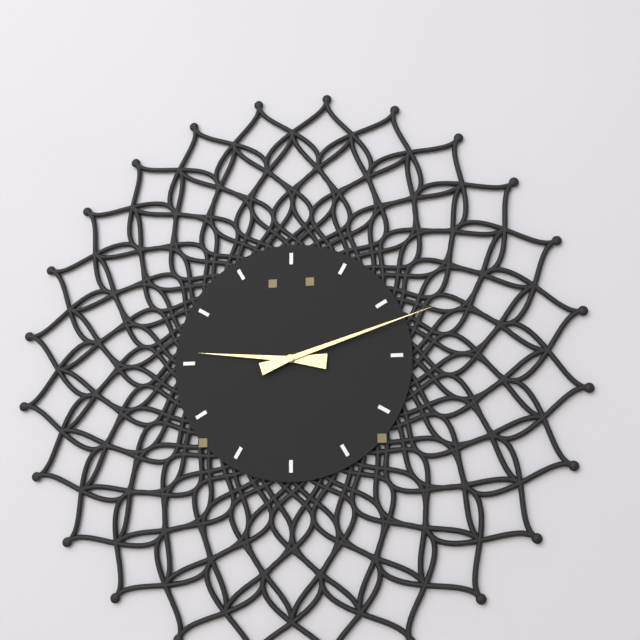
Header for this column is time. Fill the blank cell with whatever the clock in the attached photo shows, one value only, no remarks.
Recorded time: 9:12
